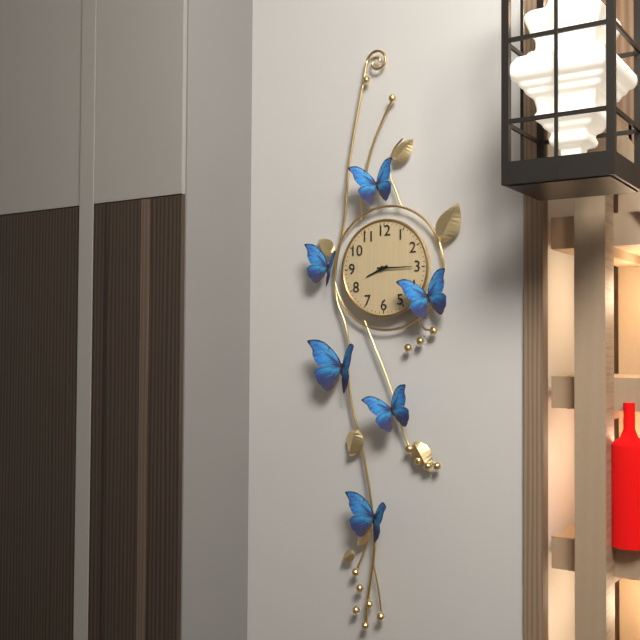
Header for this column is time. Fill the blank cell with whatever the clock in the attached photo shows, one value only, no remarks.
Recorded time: 8:15
